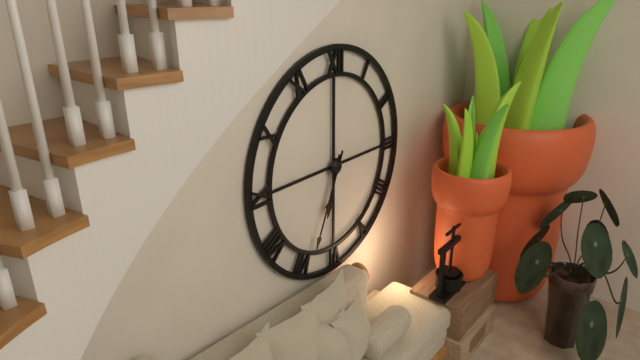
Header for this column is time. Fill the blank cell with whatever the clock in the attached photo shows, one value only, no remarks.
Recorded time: 6:34
